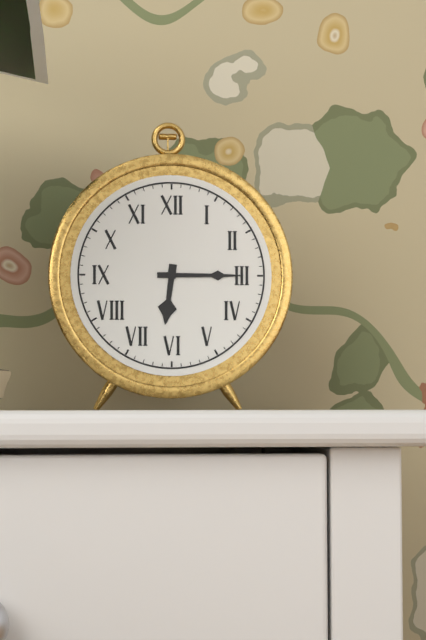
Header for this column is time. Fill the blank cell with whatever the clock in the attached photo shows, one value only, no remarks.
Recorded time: 6:15
